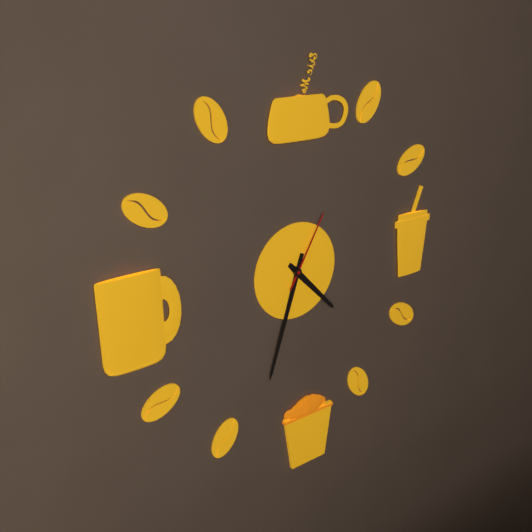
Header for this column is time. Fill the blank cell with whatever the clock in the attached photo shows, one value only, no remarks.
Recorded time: 4:33:05
